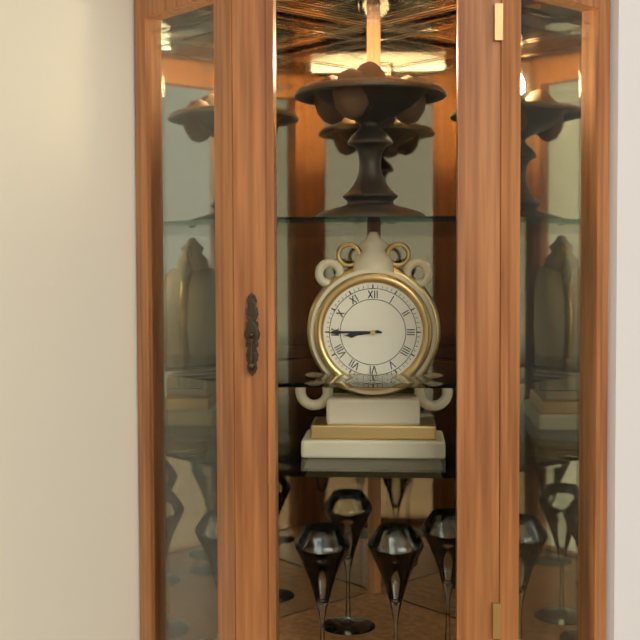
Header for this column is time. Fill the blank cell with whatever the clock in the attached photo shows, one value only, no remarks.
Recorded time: 8:45
